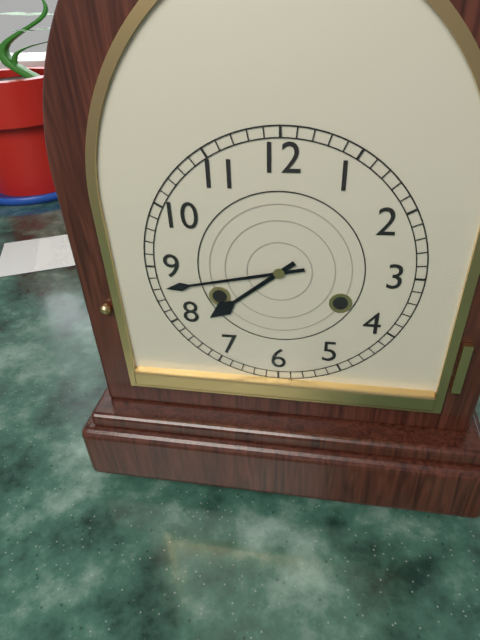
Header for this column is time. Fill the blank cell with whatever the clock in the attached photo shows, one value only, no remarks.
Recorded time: 7:43
